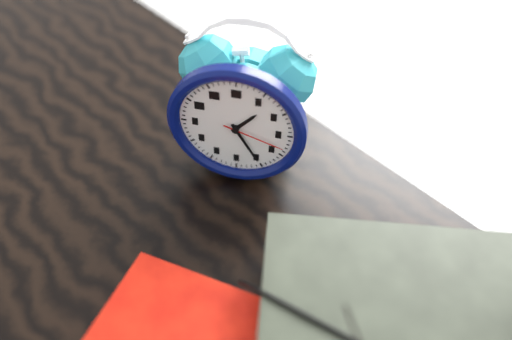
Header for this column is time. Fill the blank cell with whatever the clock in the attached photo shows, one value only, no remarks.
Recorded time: 1:25:18
